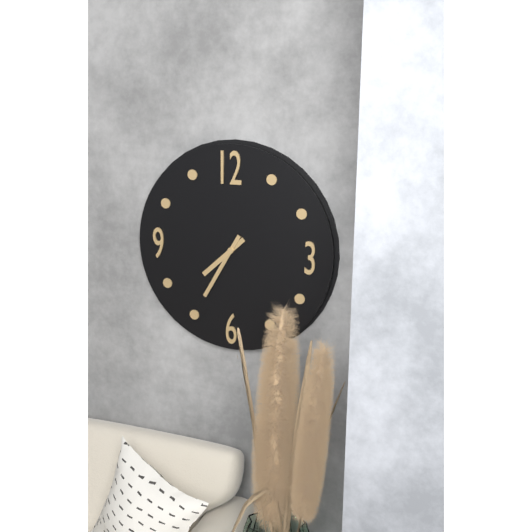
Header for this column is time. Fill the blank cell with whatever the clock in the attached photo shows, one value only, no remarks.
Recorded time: 7:35
